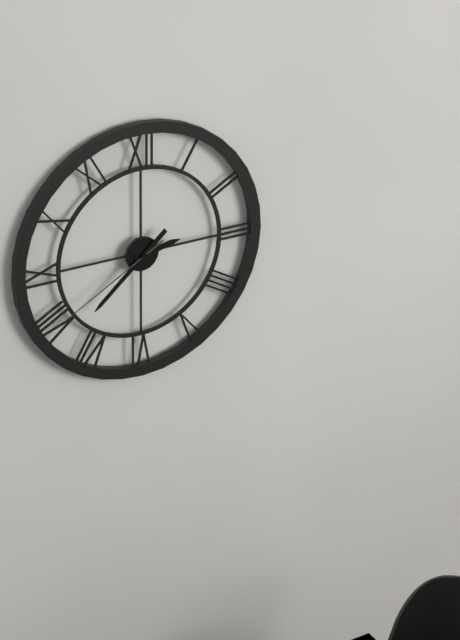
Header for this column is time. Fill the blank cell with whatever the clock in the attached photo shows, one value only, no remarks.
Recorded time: 2:38:40
